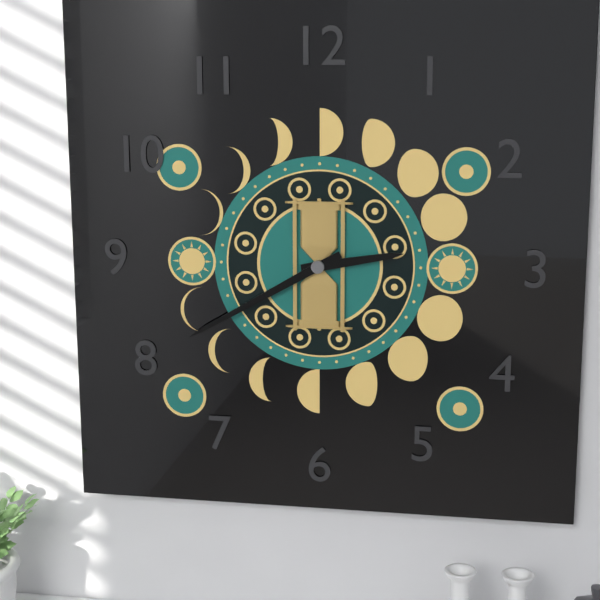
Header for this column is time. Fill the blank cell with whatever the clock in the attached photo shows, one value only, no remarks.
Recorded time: 2:40
